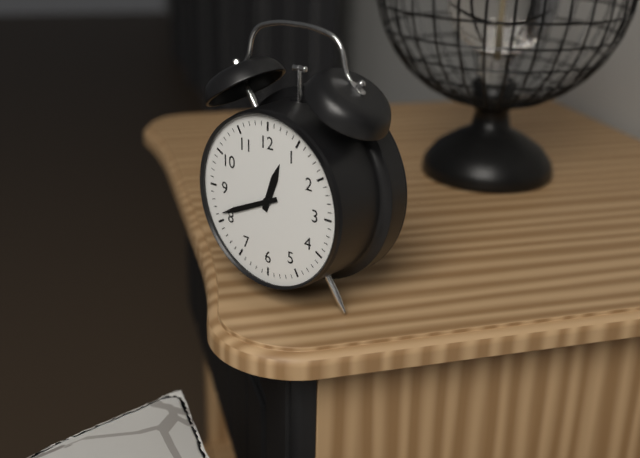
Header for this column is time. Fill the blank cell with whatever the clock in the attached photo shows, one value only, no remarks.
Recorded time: 12:41
